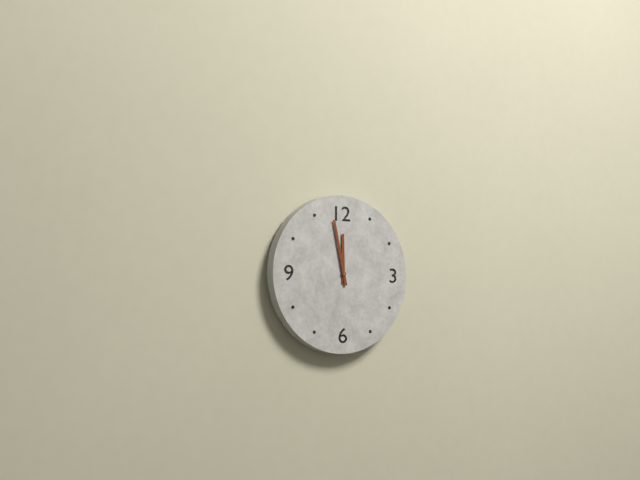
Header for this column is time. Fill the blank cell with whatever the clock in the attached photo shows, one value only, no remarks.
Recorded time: 11:58
